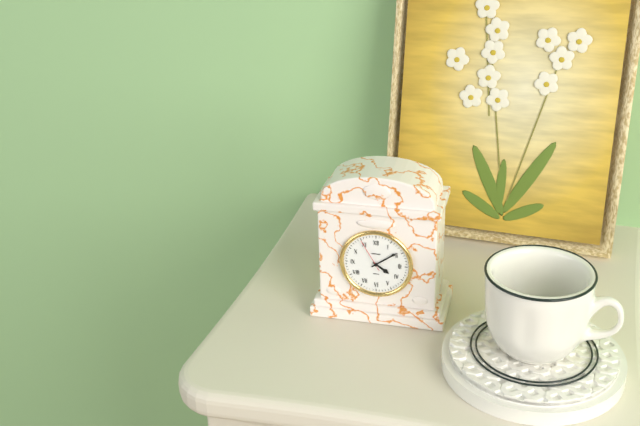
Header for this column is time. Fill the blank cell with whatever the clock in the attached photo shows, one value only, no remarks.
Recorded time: 4:09
